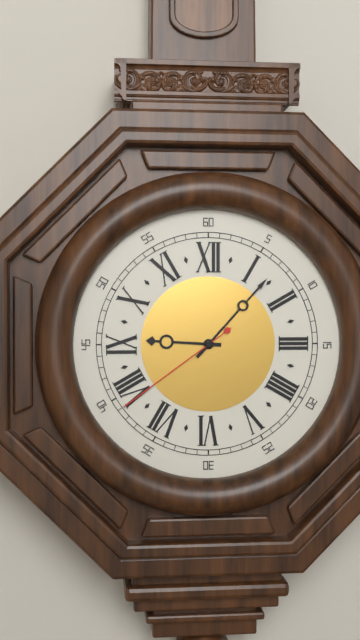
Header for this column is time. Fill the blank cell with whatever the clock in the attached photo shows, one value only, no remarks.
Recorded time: 9:07:39
